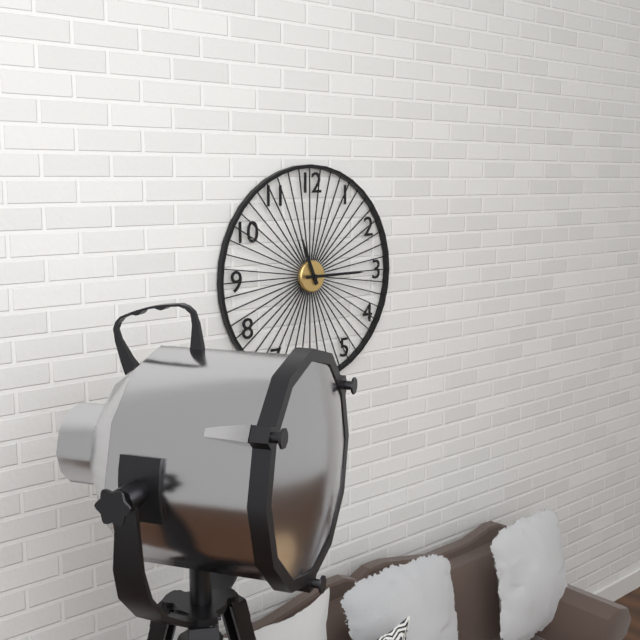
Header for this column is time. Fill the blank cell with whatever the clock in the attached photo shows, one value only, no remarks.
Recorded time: 11:15
